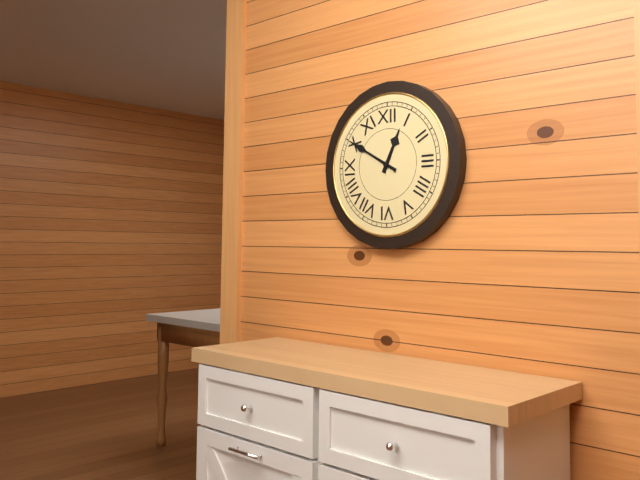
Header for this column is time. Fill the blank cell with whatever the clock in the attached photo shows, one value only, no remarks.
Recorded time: 12:50
